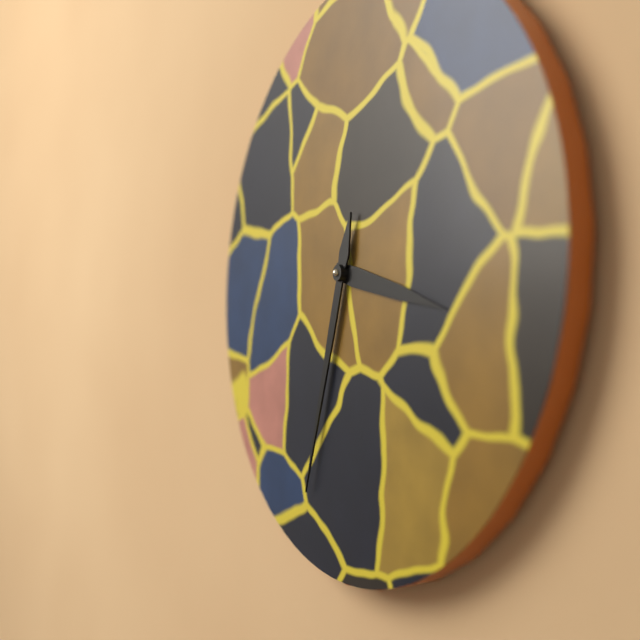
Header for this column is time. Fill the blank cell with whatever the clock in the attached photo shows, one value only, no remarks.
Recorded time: 3:33
